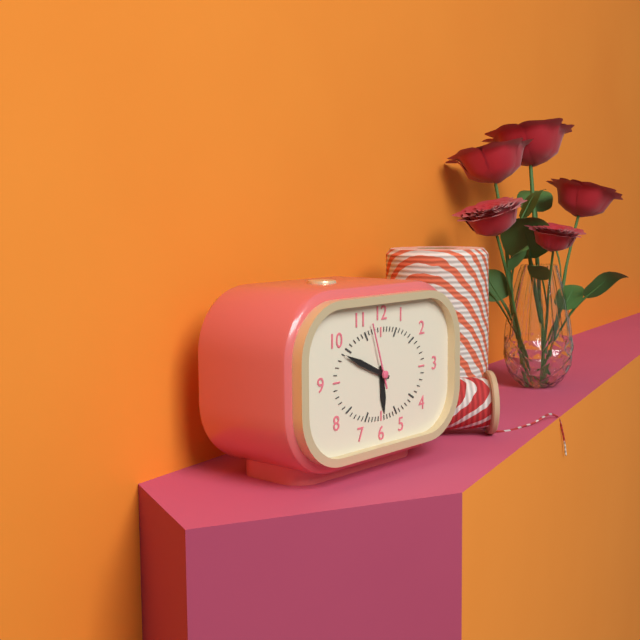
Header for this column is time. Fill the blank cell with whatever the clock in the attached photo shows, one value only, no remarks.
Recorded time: 5:49:57
